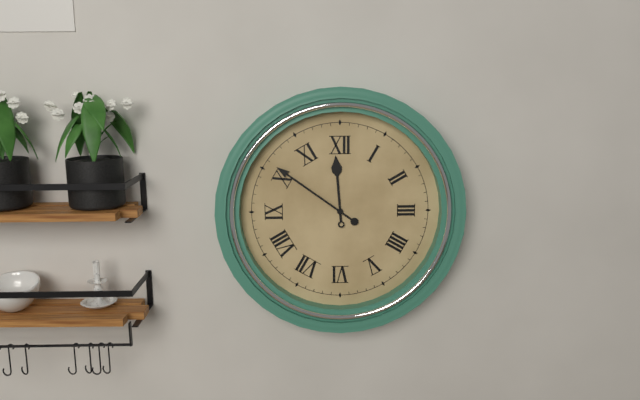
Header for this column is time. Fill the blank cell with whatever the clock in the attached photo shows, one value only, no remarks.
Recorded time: 11:51
